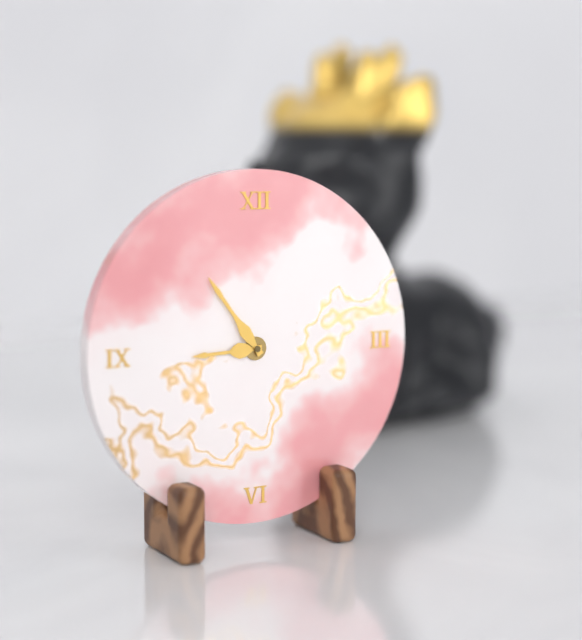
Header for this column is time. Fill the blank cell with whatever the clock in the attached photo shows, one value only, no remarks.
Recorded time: 8:54
